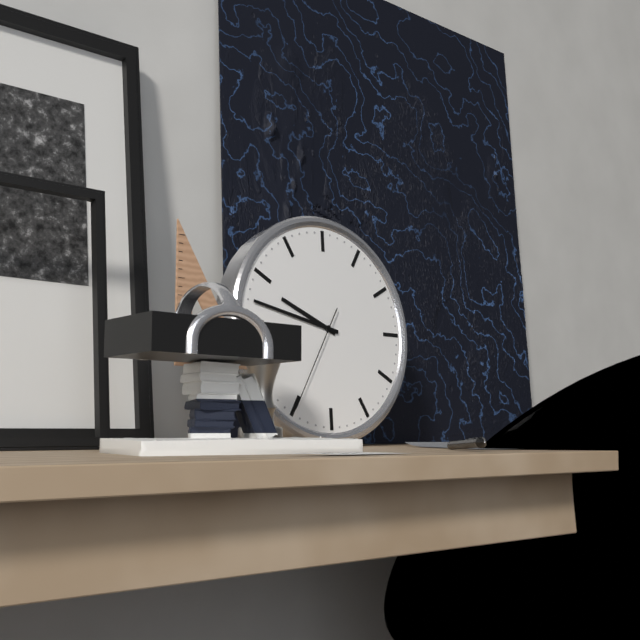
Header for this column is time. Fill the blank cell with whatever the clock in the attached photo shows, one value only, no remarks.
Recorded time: 9:47:35
